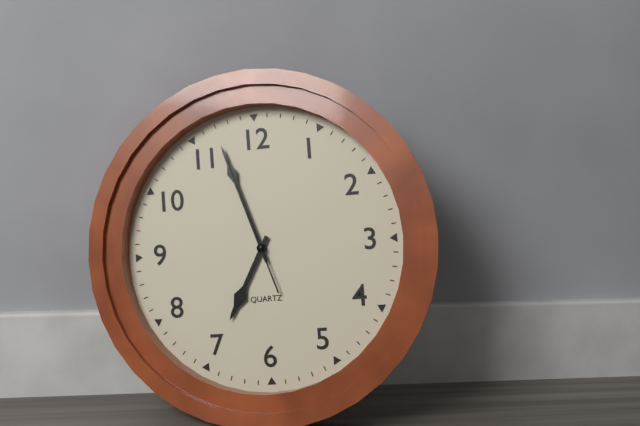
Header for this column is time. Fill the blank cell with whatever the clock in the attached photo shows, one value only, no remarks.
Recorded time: 6:57:57
